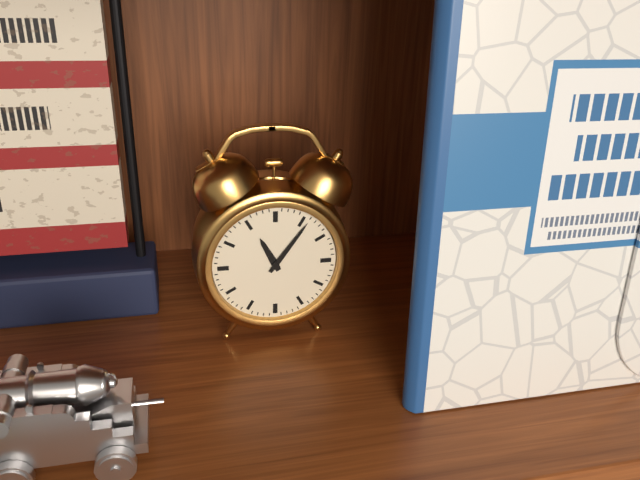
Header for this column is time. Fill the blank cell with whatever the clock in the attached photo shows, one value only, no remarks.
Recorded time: 11:06
